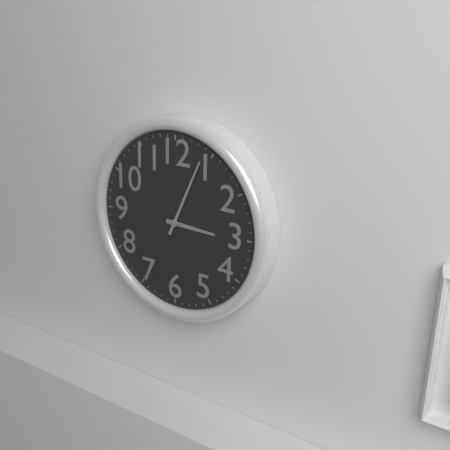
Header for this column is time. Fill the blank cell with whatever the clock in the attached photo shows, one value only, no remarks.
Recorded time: 3:04
